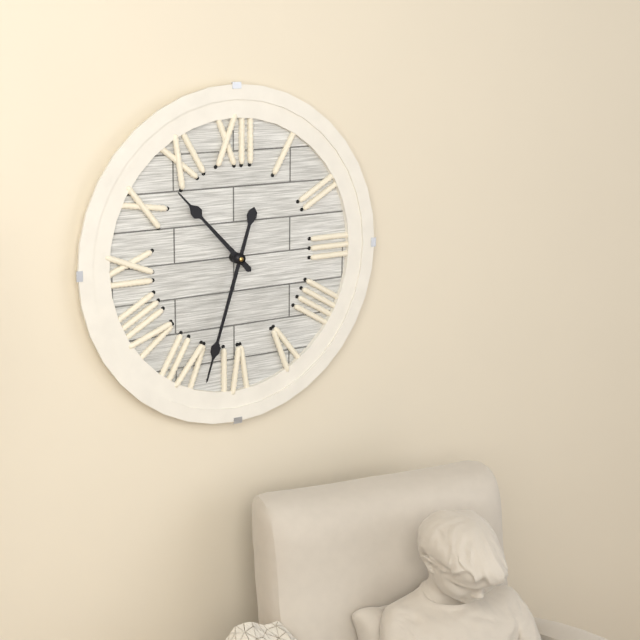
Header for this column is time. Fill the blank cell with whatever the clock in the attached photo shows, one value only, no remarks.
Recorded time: 10:33
